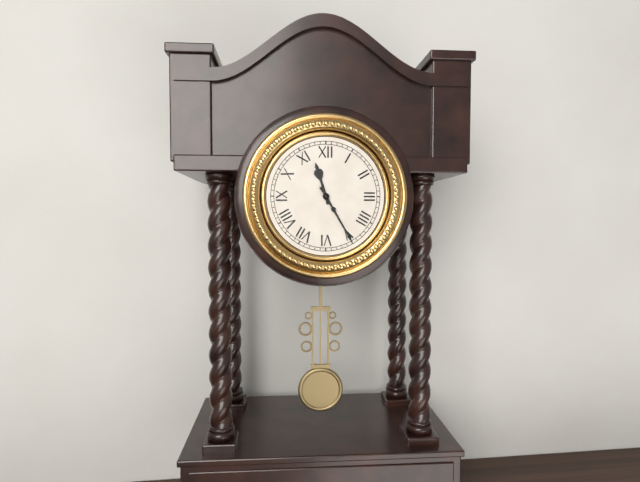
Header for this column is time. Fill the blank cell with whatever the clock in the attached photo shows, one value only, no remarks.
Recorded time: 11:25
